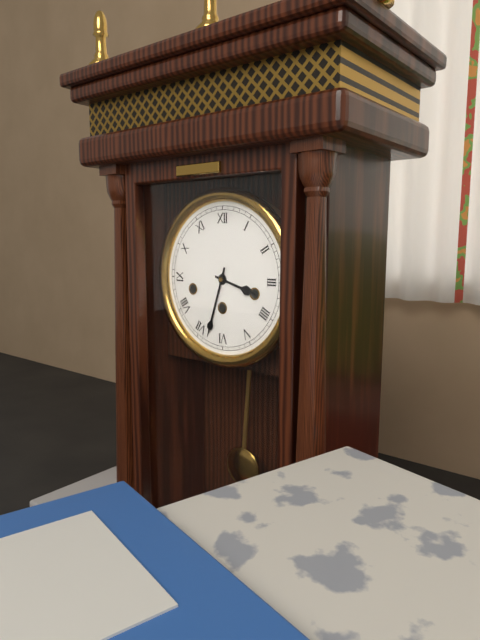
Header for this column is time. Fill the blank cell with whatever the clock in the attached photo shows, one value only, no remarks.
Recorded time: 3:33
